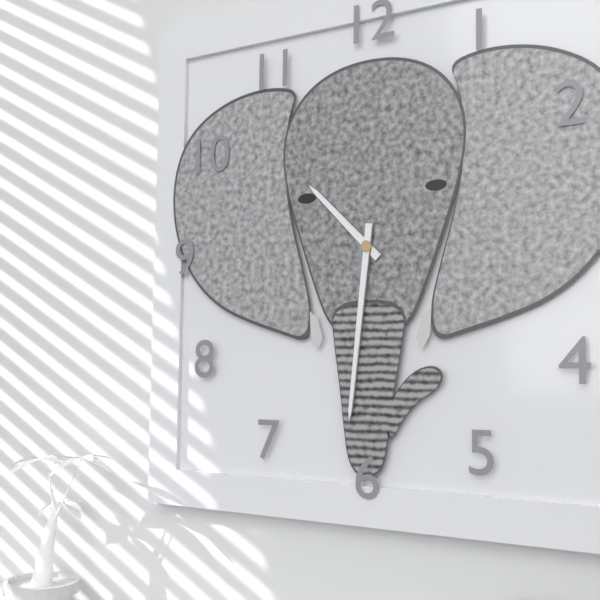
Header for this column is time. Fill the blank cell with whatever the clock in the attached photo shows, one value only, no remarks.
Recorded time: 10:31
